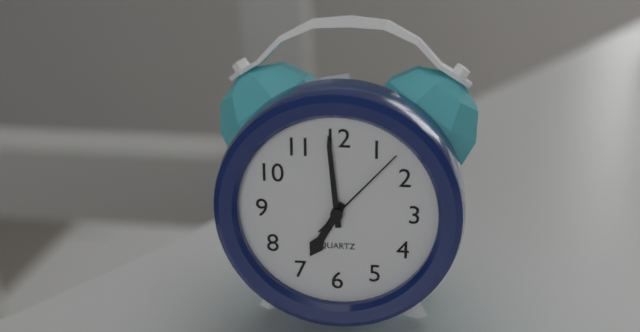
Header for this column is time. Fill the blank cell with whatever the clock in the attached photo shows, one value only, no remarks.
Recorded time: 6:59:07
